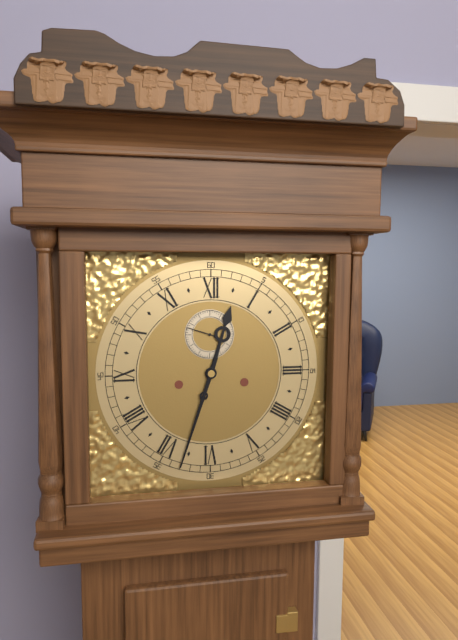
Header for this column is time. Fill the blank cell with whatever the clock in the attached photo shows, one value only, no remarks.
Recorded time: 12:33
